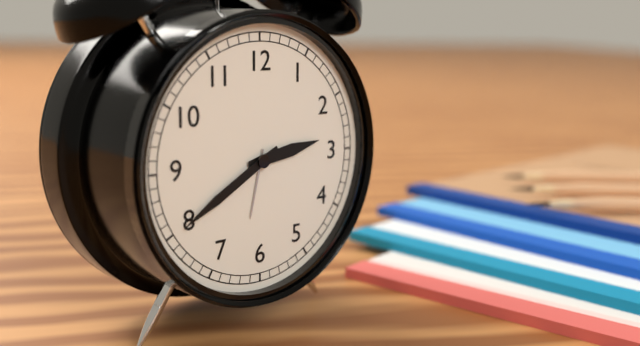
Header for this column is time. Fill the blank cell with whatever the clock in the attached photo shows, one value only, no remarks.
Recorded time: 2:40
